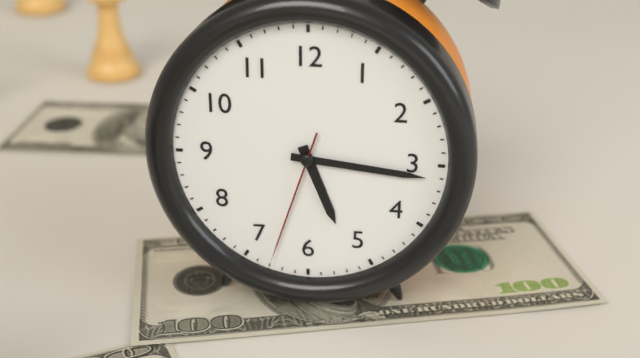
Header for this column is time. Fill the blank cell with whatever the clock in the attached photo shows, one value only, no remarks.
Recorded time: 5:16:33
